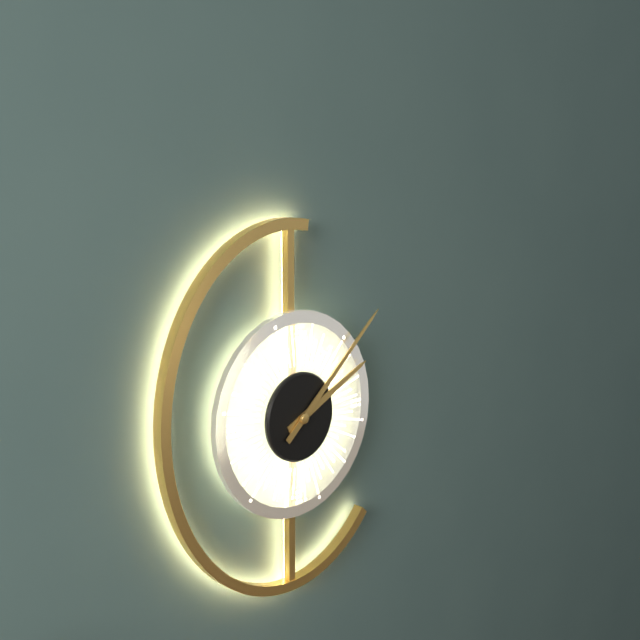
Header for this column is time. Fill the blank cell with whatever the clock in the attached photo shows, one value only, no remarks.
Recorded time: 2:08
